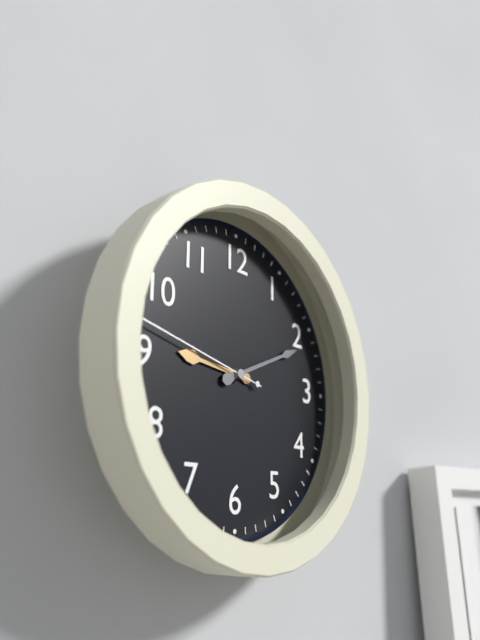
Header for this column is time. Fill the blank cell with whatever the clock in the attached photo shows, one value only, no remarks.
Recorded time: 9:11:47
